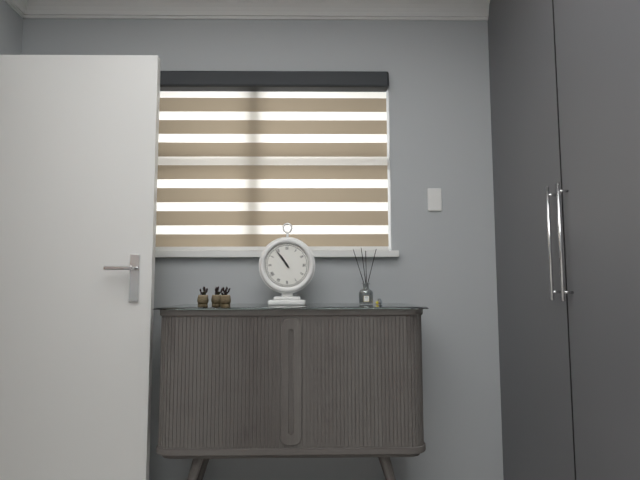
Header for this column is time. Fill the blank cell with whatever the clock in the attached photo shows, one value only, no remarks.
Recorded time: 10:54
